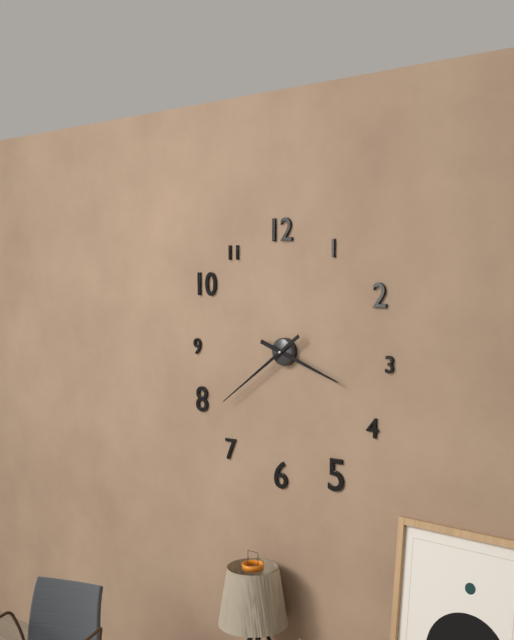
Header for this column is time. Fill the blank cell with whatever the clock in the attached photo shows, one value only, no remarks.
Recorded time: 3:39
